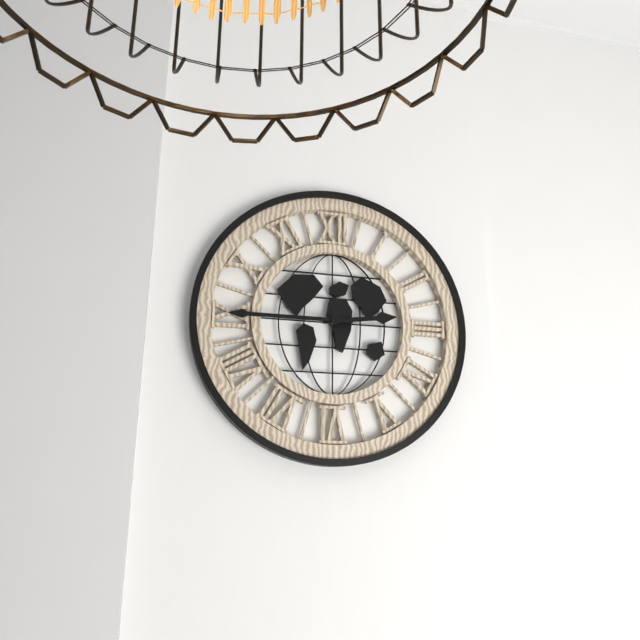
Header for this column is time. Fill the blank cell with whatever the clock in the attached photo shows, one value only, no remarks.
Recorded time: 2:45
